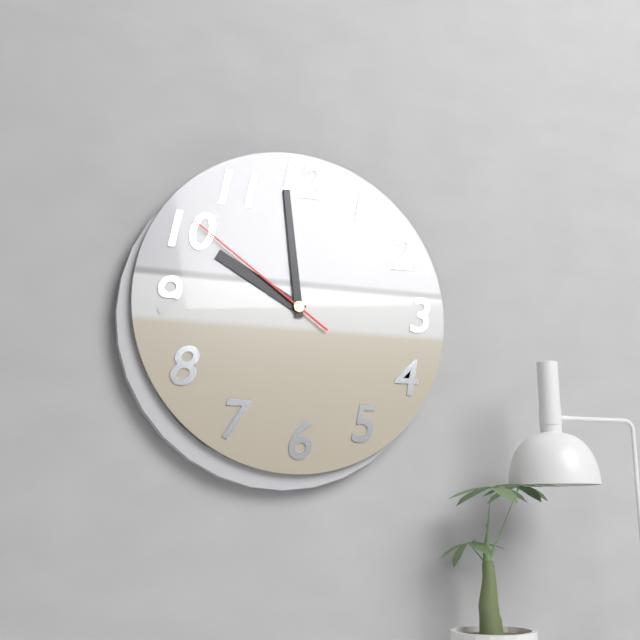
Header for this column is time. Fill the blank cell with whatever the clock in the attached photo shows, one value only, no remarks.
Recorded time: 9:59:51
